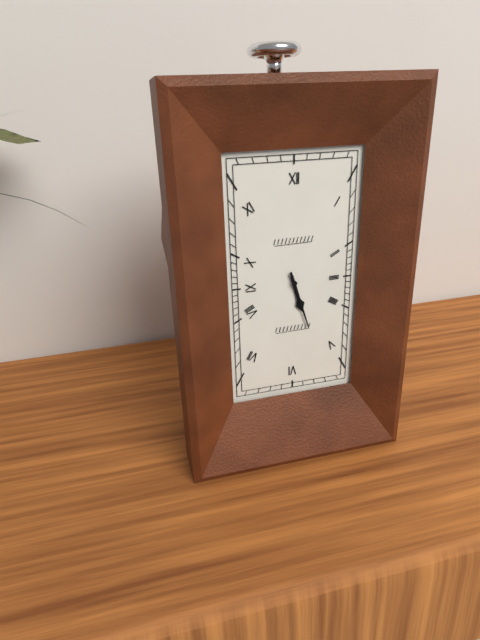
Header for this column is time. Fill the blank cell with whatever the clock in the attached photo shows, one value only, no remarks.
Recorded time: 5:27
